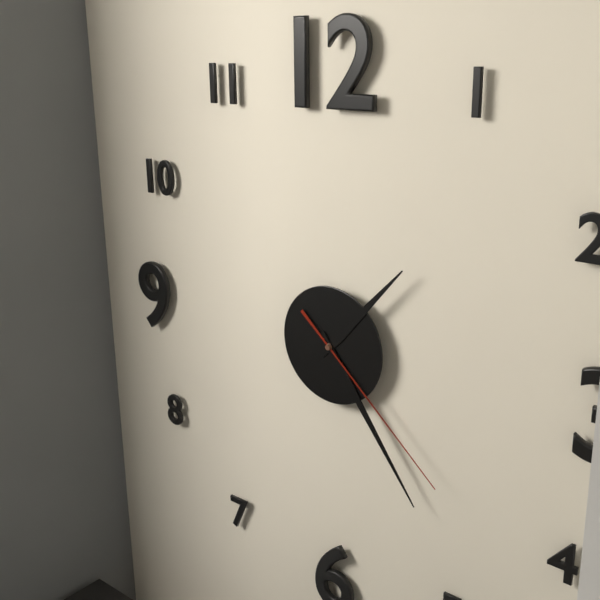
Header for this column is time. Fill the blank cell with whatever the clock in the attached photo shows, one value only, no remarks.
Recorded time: 1:24:22
